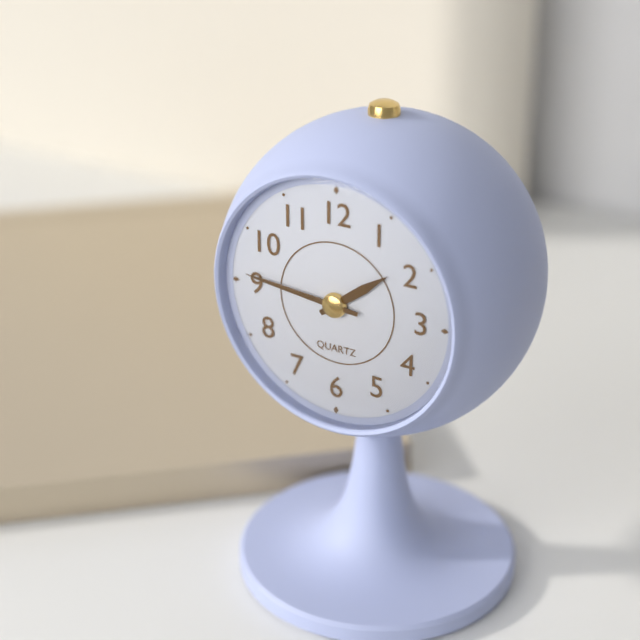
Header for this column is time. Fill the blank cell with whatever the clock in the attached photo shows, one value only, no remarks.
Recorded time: 1:46
